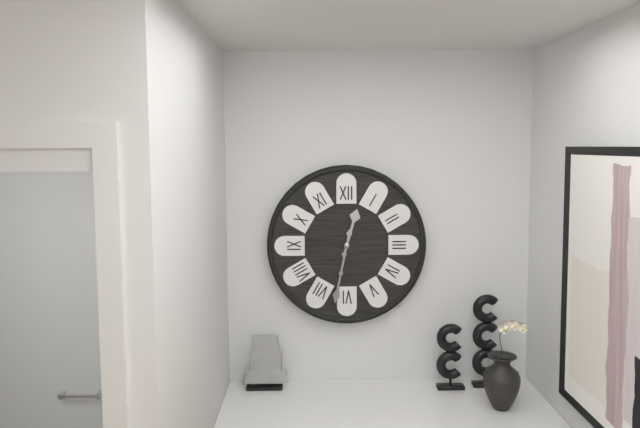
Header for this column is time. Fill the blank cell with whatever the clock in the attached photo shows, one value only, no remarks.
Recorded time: 12:32
